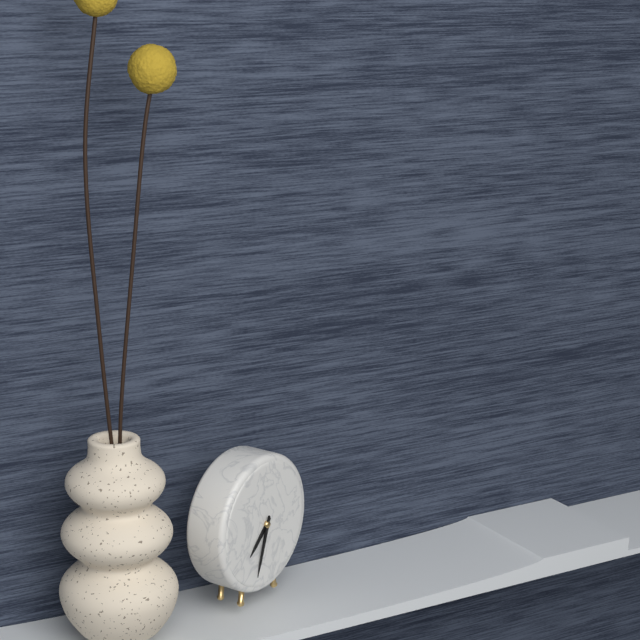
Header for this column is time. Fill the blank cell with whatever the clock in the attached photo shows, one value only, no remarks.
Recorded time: 7:33
